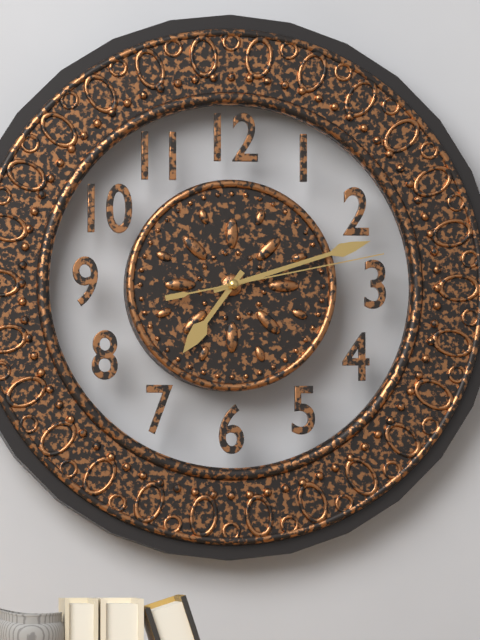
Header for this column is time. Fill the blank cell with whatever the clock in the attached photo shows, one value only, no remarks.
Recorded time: 7:12:13
